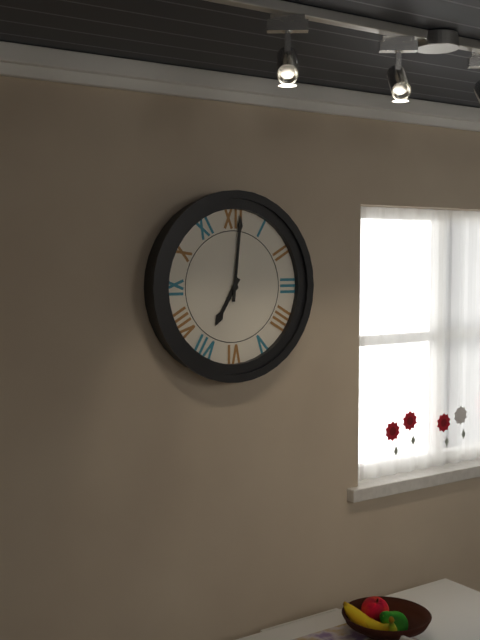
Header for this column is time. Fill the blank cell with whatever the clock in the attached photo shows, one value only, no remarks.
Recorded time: 7:01
